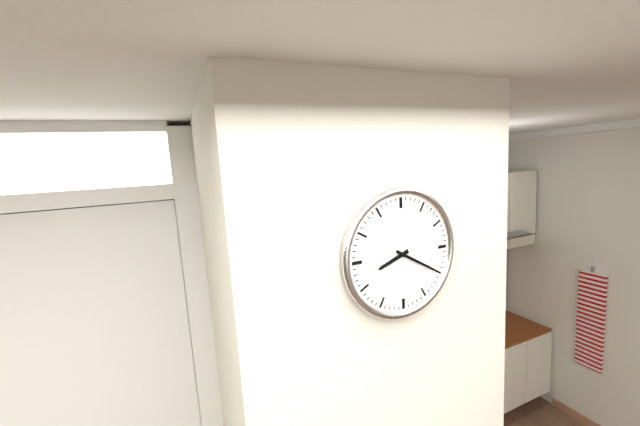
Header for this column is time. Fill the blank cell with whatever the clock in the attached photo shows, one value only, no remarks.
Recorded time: 8:20
